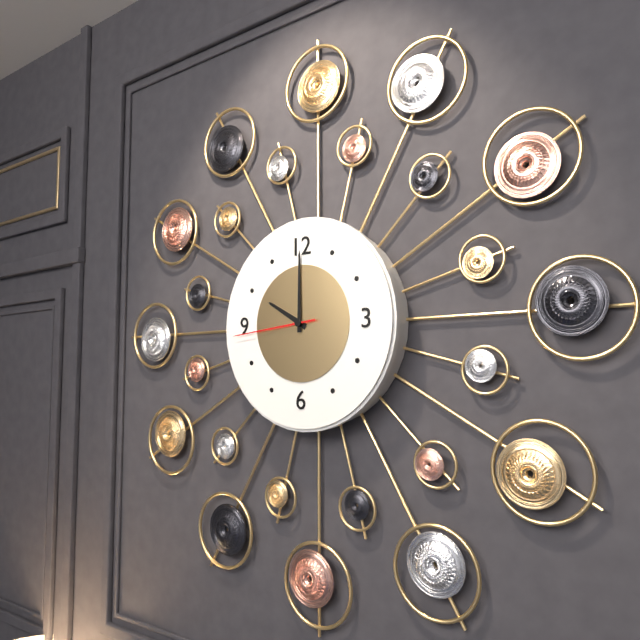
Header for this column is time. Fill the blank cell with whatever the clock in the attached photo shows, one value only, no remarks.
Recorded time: 10:00:44
